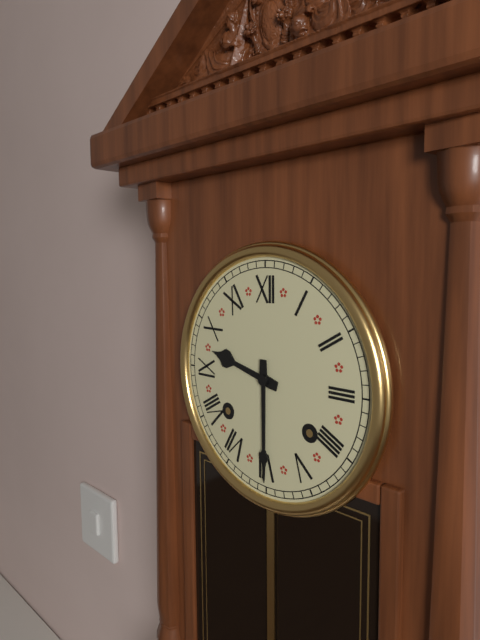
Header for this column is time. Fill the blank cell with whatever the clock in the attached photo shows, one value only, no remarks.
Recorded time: 9:30
